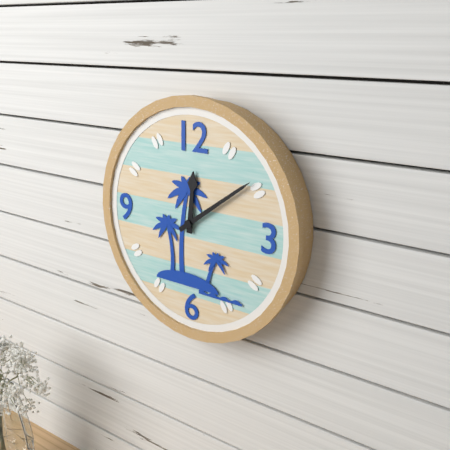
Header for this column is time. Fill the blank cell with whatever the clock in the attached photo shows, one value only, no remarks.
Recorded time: 12:09
